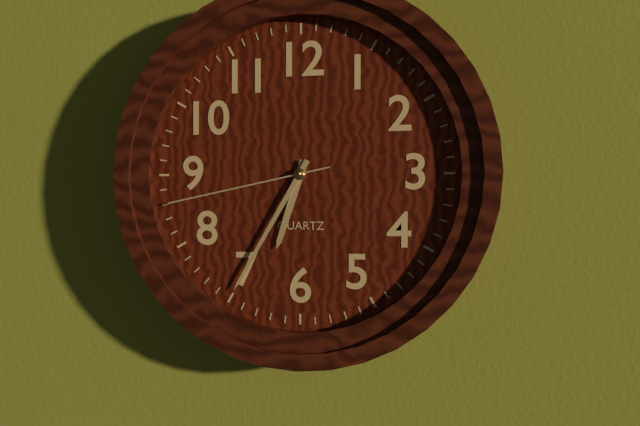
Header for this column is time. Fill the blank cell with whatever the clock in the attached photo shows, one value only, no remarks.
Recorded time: 6:35:43
